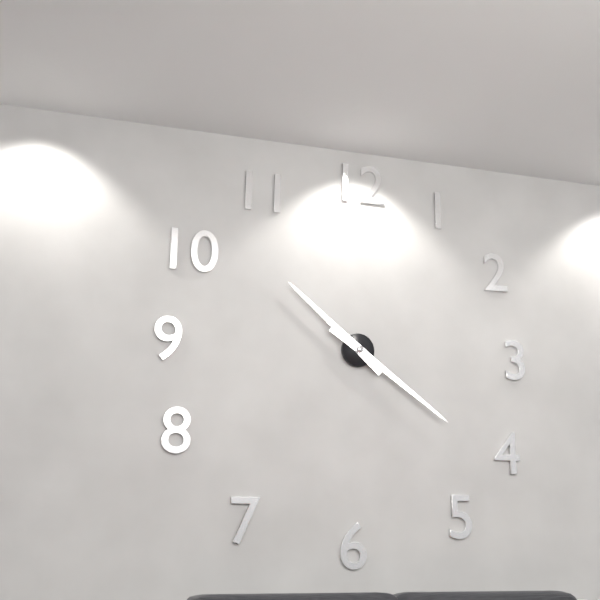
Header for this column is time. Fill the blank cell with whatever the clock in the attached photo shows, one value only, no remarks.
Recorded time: 10:21
